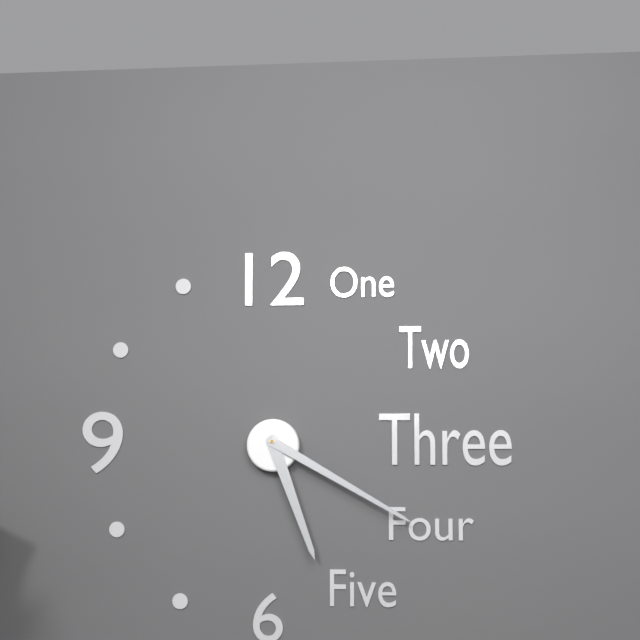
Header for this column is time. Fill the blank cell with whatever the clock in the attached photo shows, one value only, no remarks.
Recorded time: 5:20
